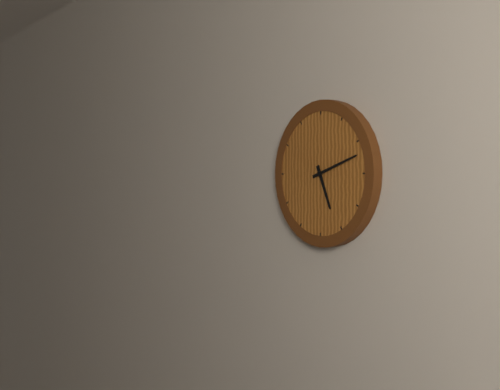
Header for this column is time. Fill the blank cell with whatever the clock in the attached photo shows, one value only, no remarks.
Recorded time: 5:12
